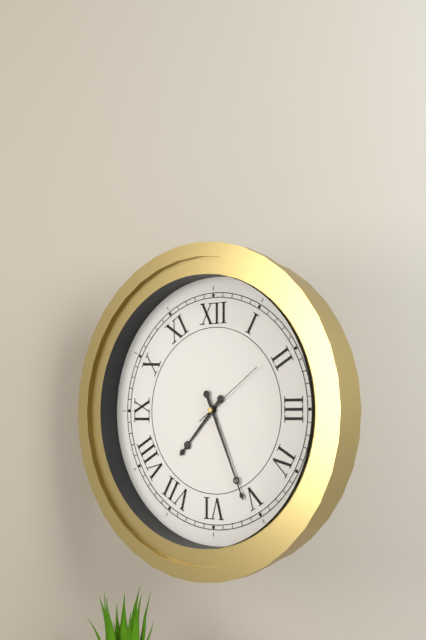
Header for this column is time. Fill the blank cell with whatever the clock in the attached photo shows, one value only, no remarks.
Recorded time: 7:26:09
